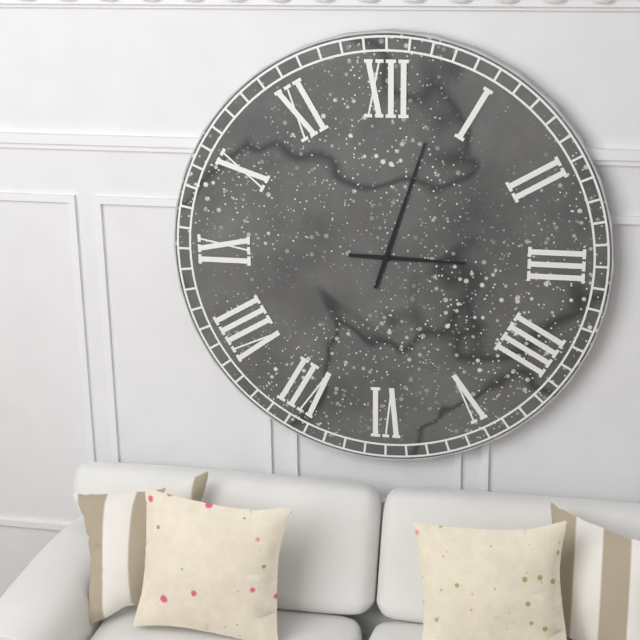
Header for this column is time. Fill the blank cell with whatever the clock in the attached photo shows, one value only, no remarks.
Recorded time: 3:03
